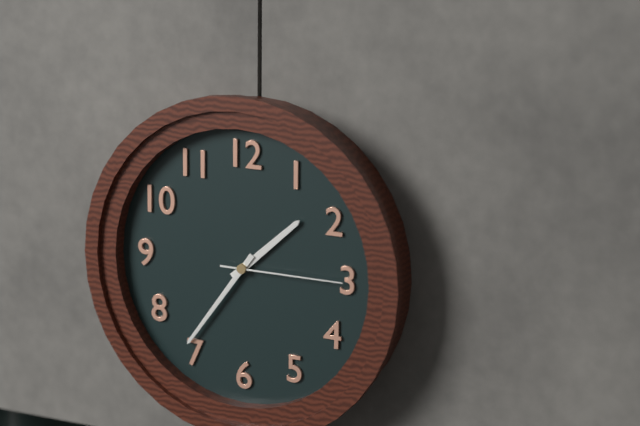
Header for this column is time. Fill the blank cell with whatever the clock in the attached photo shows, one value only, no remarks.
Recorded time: 1:36:15
